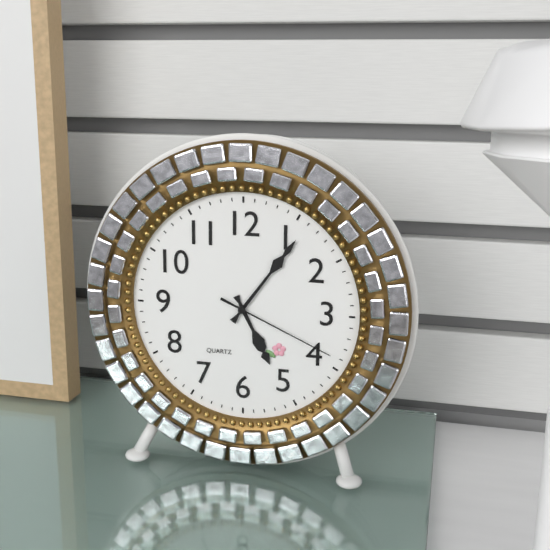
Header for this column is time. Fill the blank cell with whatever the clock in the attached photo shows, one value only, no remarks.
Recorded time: 5:06:19
